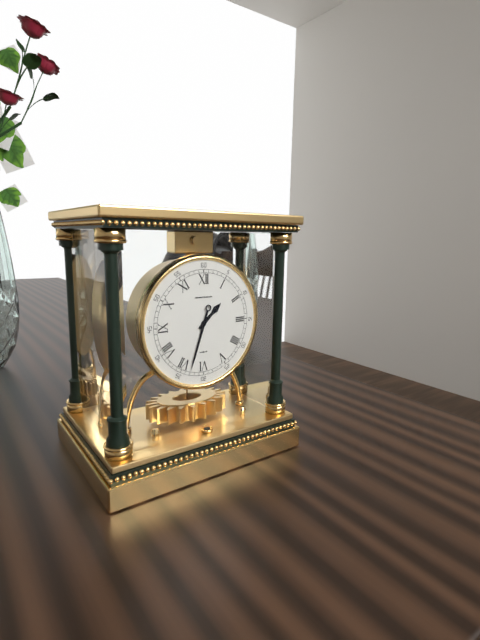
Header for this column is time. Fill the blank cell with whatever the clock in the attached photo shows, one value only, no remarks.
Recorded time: 1:33
